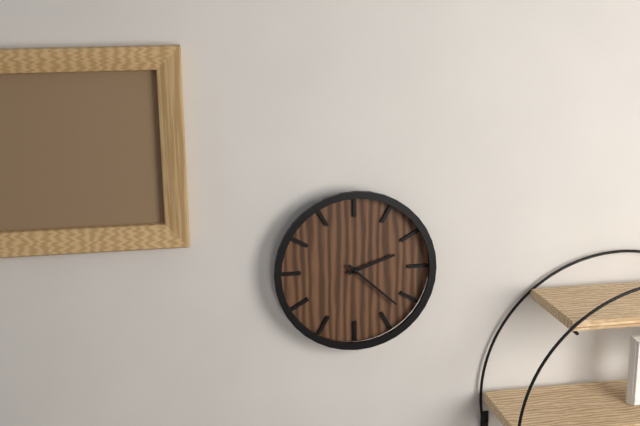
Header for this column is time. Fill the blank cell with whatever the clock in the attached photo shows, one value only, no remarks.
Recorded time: 2:22
